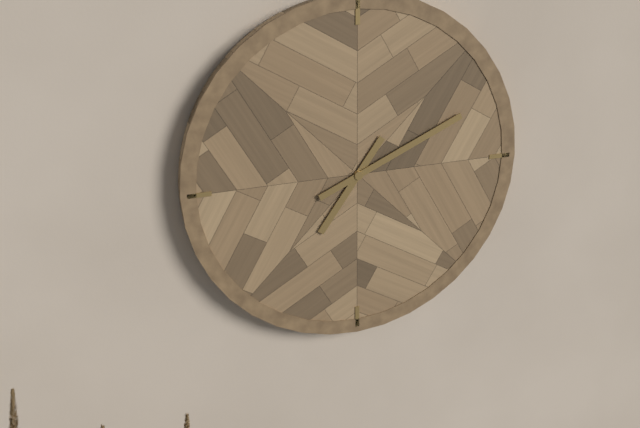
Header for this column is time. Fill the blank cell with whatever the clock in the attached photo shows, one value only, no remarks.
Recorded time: 7:11
